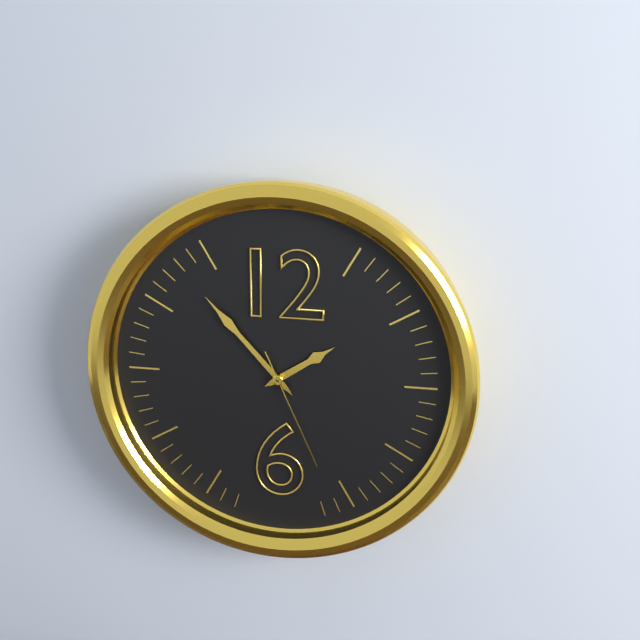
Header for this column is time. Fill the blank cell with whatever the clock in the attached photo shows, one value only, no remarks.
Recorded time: 1:53:26
